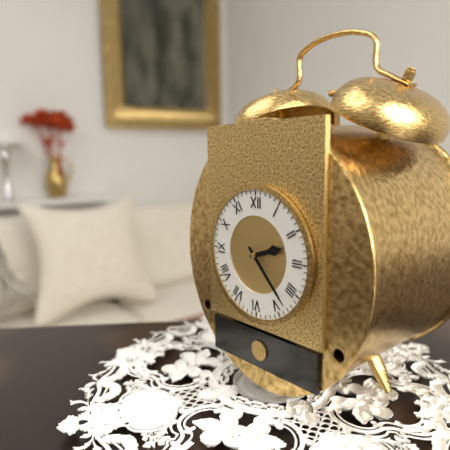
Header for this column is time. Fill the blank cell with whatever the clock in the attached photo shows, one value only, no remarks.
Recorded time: 2:23
